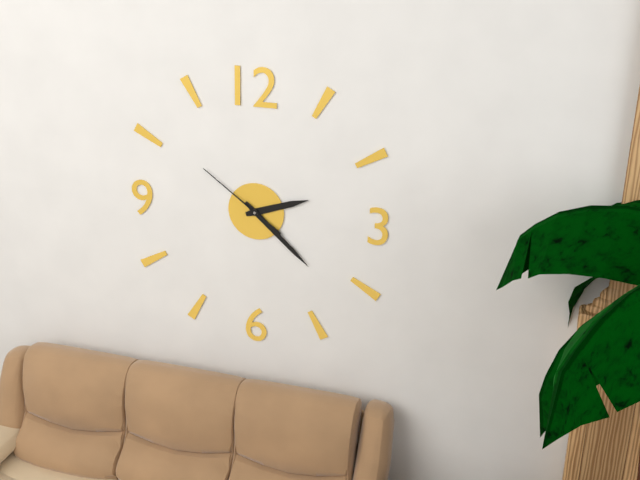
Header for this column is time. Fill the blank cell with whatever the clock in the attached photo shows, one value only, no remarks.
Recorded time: 2:22:51
